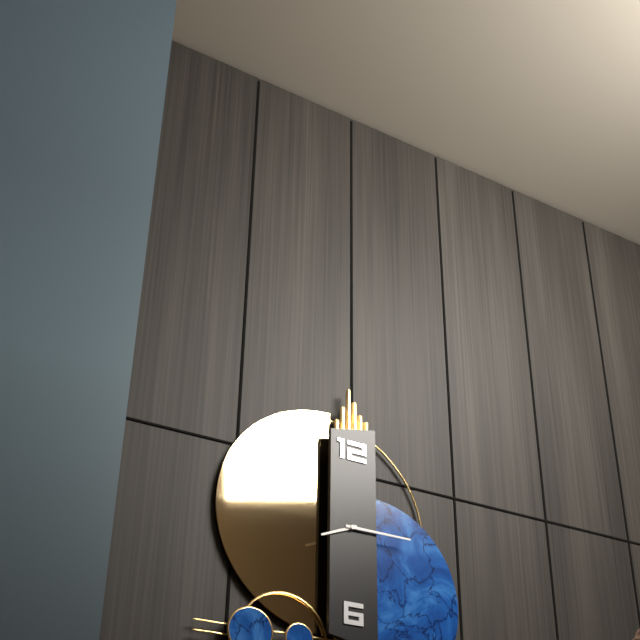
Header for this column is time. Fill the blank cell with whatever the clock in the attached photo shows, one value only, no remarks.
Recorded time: 8:15
